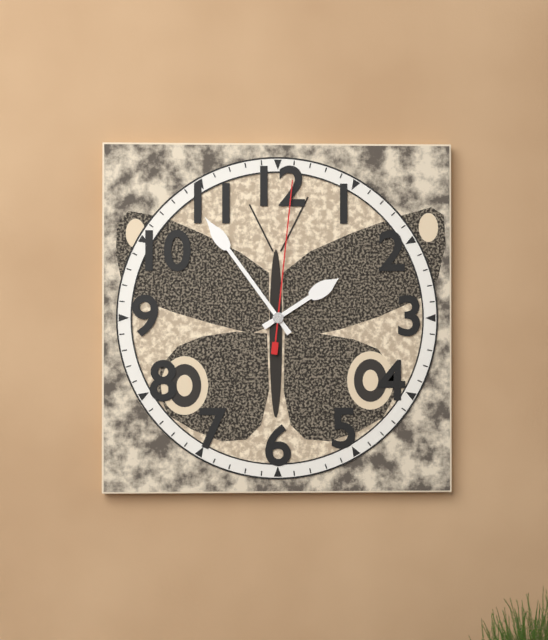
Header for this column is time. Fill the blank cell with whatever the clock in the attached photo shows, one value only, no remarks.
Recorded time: 1:54:01
